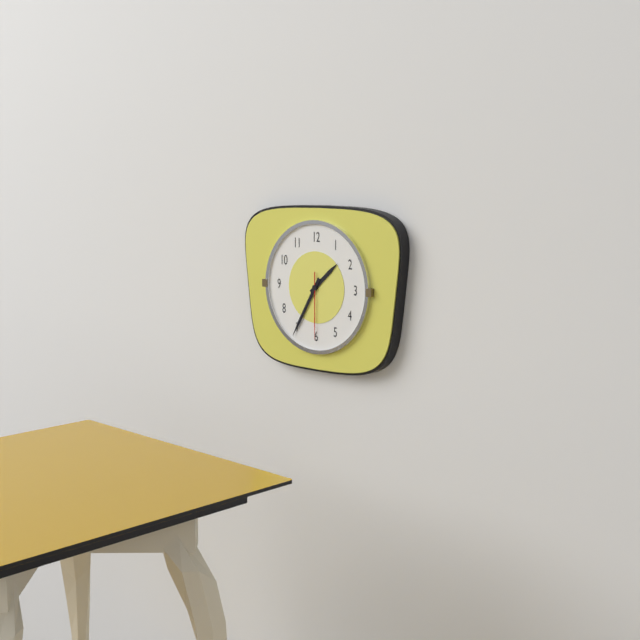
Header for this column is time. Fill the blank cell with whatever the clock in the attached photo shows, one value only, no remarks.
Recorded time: 1:35:30
